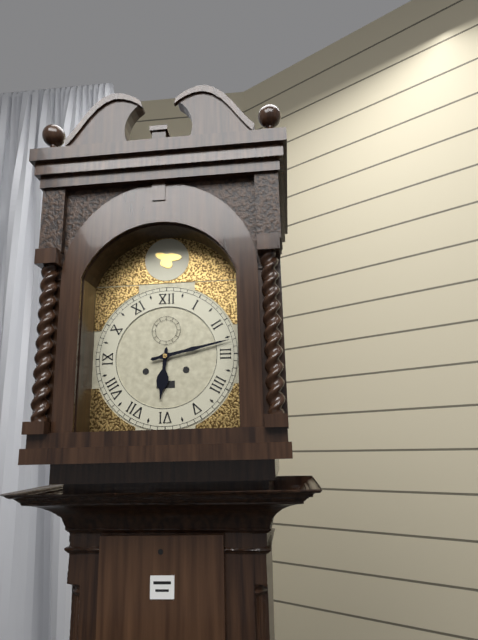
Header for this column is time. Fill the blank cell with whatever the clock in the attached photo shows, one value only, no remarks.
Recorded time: 6:13
